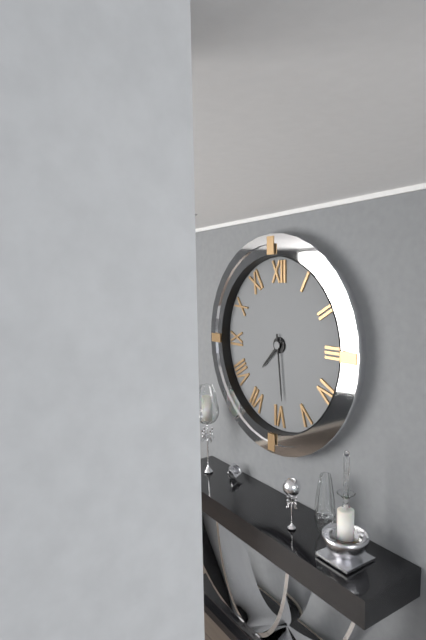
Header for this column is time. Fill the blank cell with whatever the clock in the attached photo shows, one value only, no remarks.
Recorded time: 7:29
